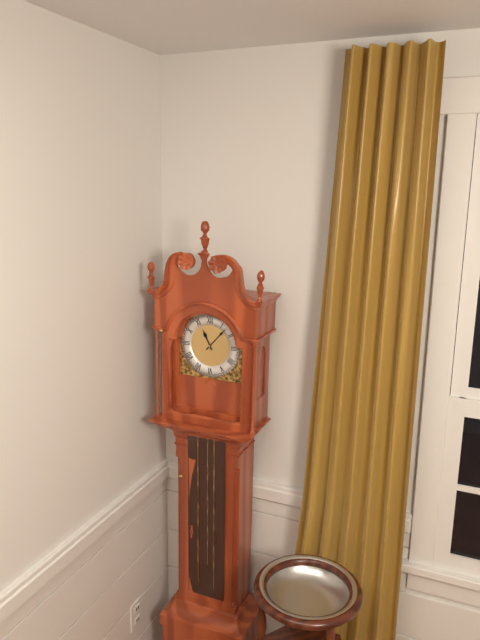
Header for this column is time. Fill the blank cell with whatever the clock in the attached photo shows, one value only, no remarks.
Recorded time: 11:07
